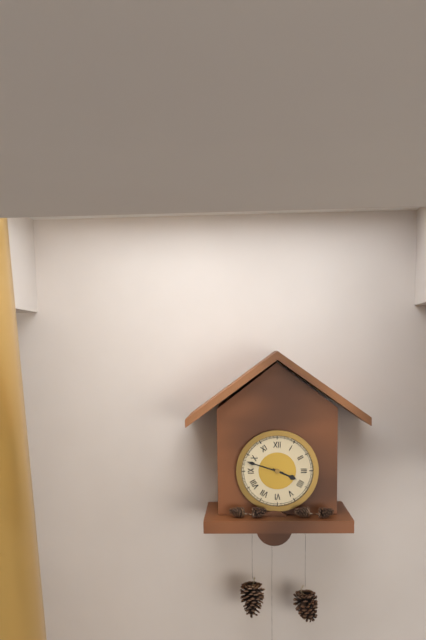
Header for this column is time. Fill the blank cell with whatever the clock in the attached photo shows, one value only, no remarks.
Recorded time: 3:48
